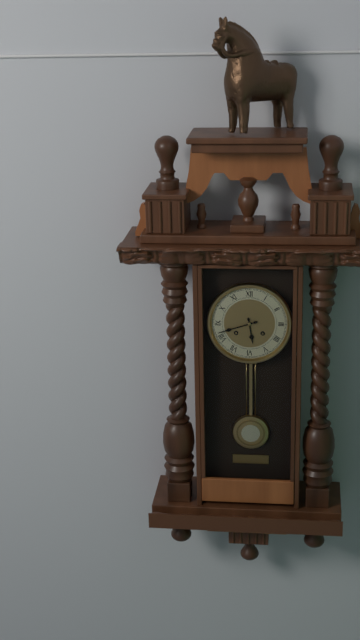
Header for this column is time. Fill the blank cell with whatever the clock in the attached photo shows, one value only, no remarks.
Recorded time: 5:42
